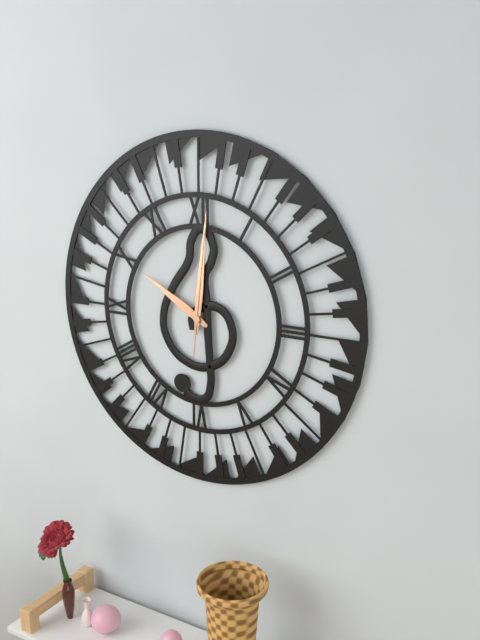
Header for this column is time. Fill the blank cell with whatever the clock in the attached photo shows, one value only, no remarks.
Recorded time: 10:01:01
